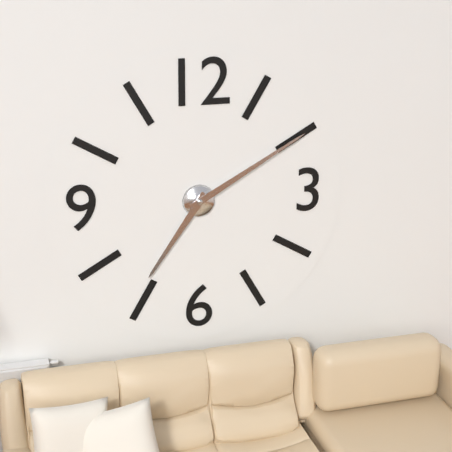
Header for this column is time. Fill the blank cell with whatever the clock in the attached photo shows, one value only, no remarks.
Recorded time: 7:10
